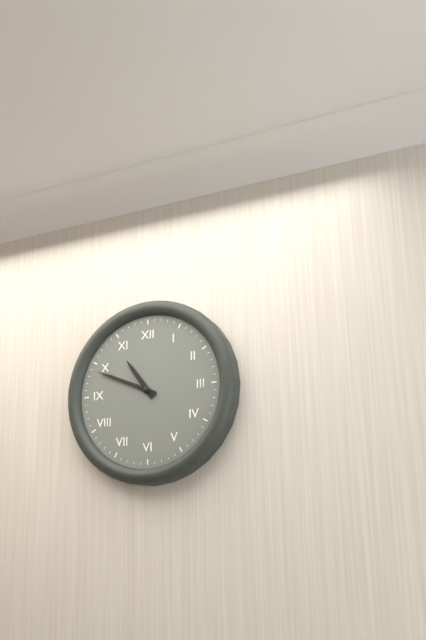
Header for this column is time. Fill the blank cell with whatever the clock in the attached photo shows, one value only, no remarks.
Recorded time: 10:49
